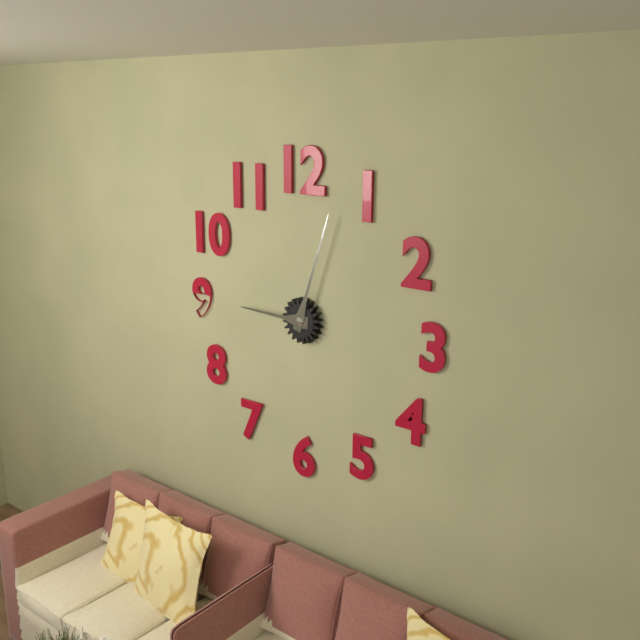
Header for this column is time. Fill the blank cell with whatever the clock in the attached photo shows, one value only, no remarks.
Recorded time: 9:03
